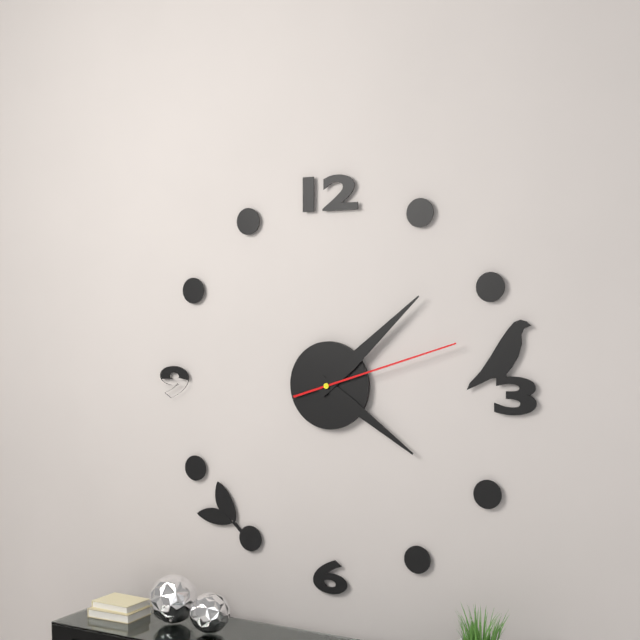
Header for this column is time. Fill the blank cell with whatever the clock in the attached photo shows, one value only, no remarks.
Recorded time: 4:08:12
